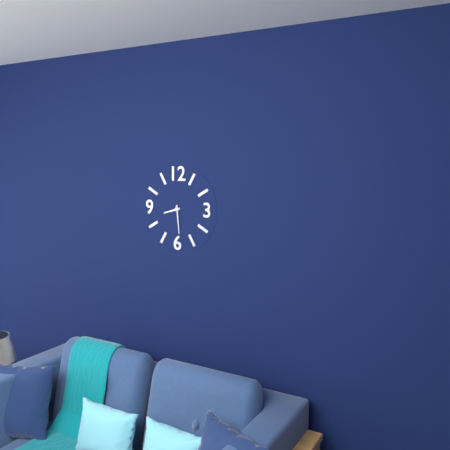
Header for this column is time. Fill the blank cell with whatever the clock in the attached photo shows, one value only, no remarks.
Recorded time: 8:29
